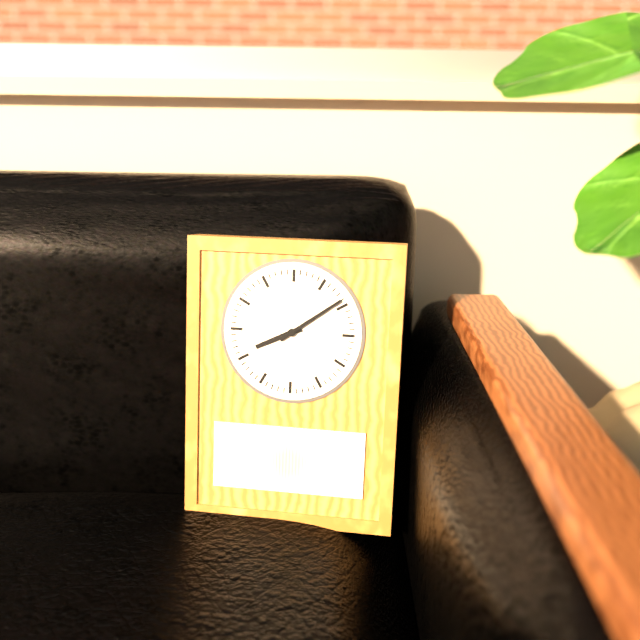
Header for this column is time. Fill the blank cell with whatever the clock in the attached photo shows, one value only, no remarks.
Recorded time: 8:09
